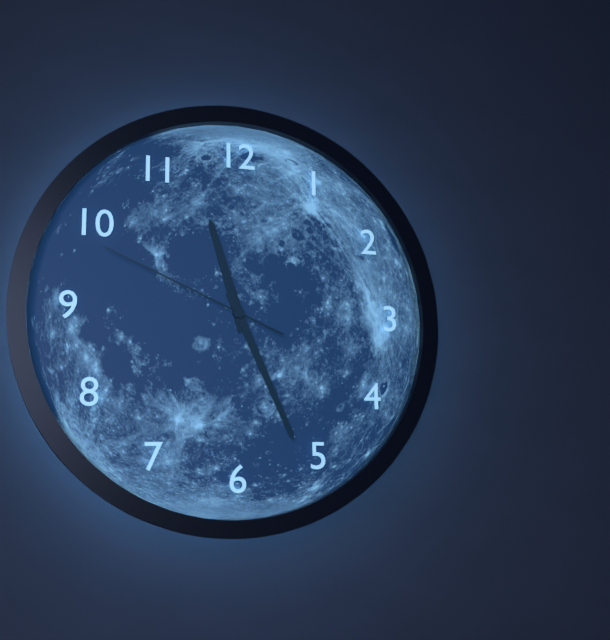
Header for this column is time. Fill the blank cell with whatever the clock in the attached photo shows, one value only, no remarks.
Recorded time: 11:26:49
